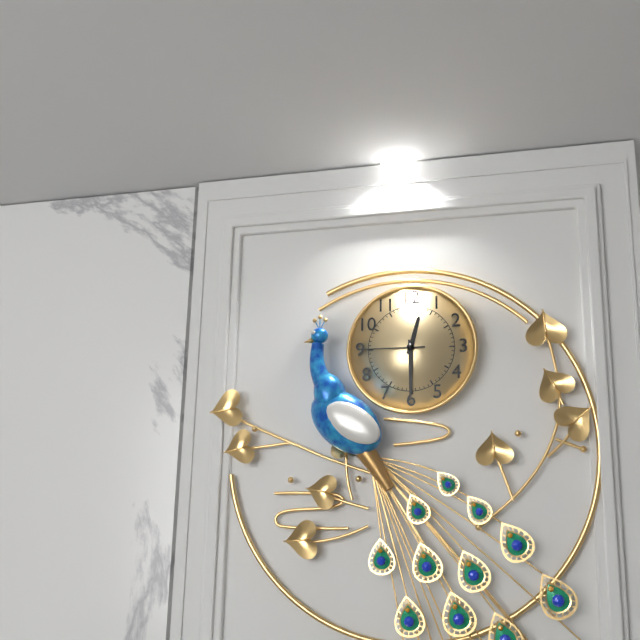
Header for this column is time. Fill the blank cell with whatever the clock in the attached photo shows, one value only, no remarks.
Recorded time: 12:30:45
